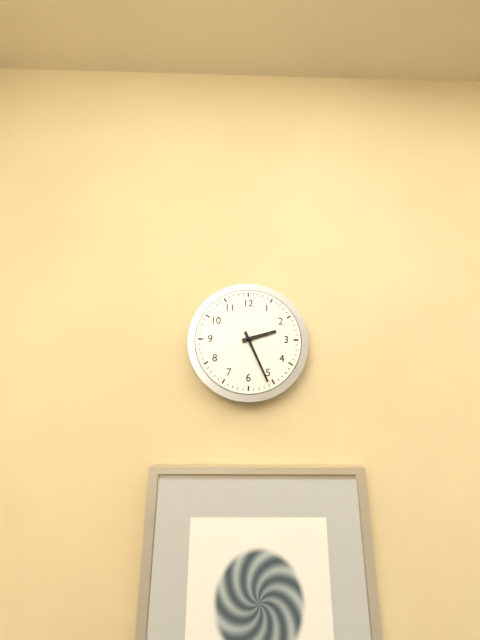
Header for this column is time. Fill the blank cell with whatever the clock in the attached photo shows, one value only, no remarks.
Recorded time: 2:26
